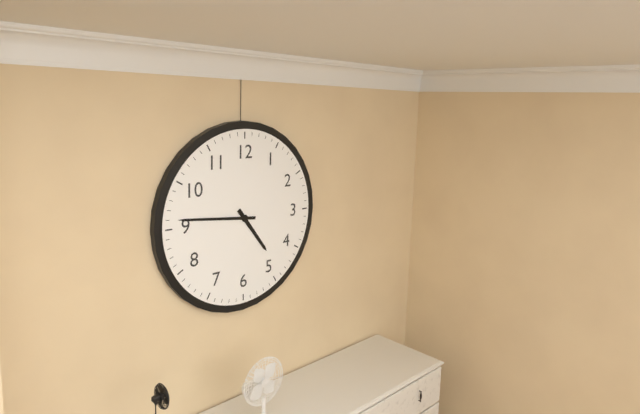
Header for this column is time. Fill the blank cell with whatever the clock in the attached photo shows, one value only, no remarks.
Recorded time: 4:46
